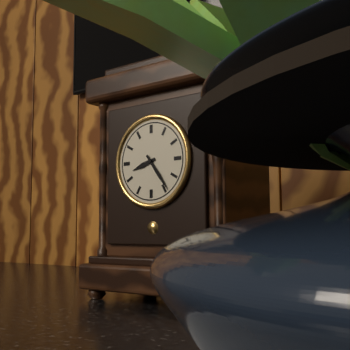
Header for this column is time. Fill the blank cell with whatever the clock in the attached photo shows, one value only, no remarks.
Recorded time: 8:24
